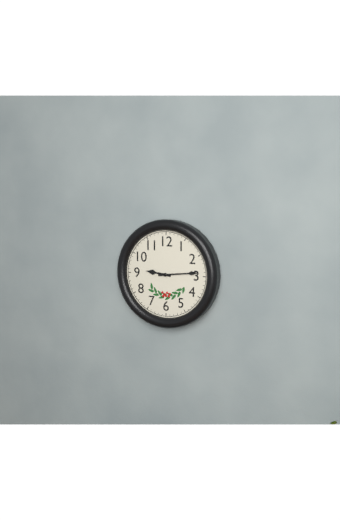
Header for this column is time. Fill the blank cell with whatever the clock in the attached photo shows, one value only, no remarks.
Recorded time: 9:14
